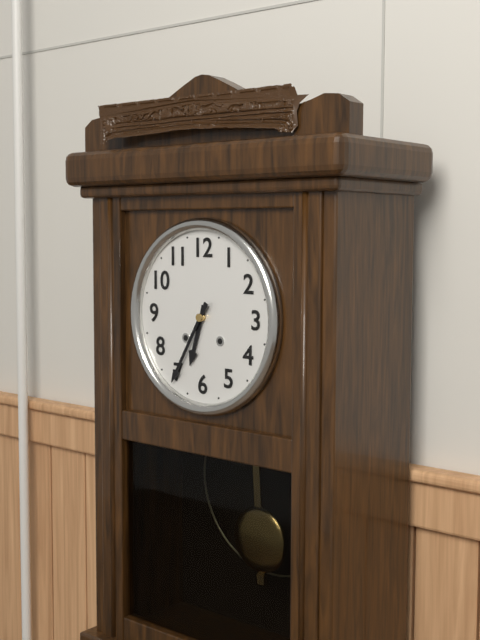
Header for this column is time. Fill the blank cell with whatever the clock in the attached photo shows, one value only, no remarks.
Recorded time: 6:35
